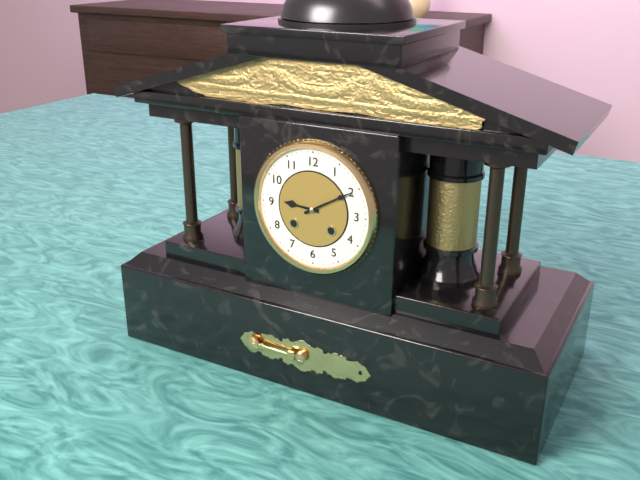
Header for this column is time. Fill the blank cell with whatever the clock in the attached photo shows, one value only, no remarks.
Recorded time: 9:10
